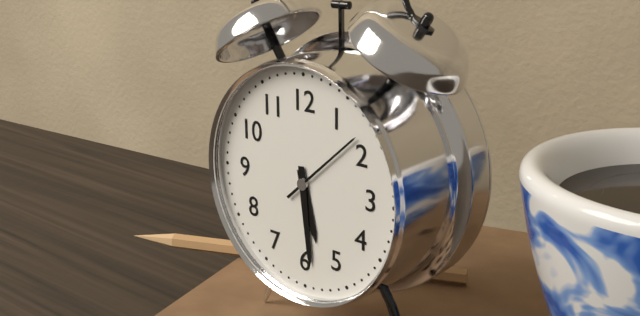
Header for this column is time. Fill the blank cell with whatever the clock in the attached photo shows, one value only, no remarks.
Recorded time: 5:29:08
